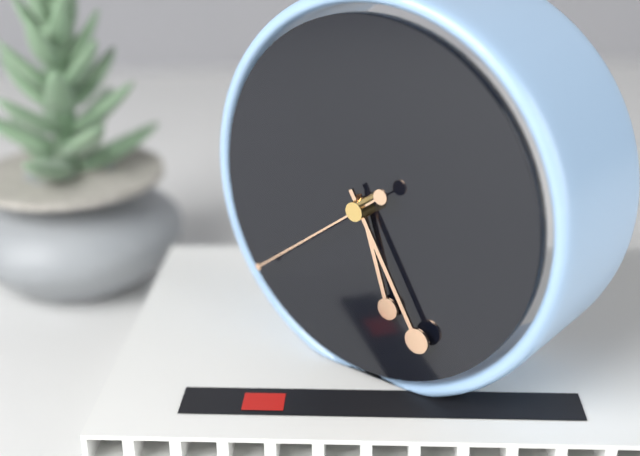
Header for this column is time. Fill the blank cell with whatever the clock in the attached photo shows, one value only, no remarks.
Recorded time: 5:25:39
